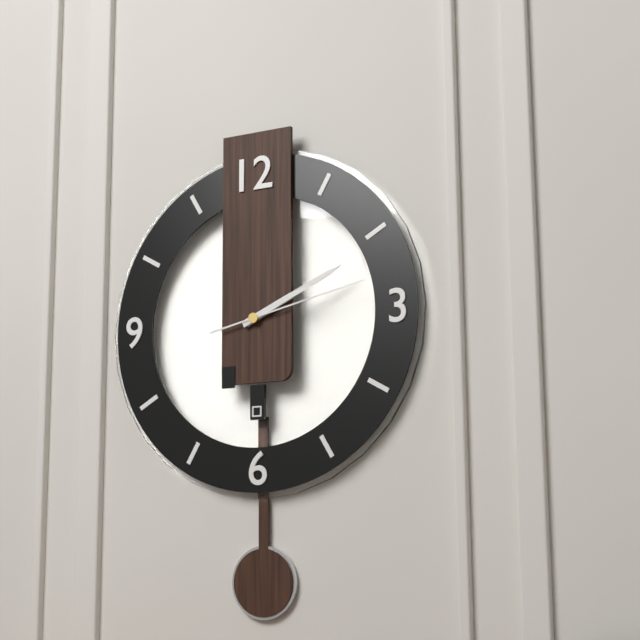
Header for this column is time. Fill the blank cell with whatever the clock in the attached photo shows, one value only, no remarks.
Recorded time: 2:11:13
